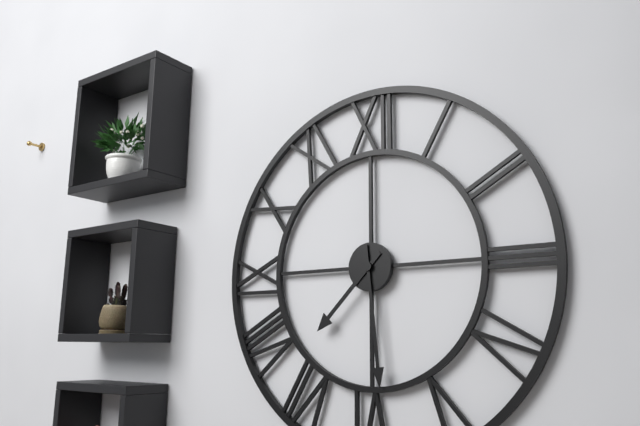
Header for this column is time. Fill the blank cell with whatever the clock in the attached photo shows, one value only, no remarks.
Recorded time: 7:29
